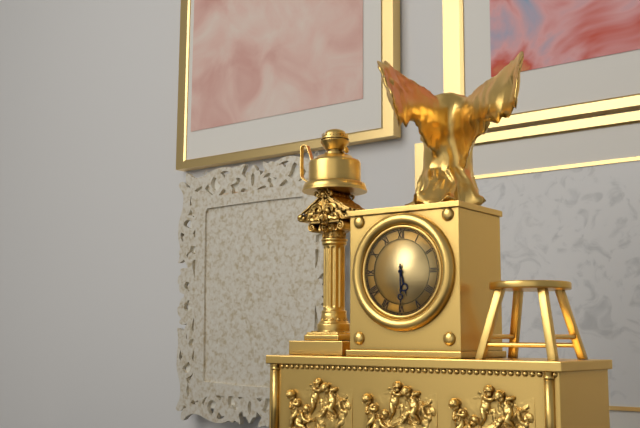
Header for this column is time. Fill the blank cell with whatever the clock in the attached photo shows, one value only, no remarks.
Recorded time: 5:30
